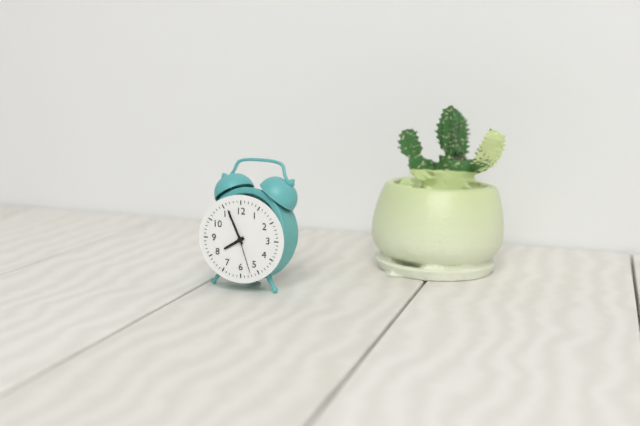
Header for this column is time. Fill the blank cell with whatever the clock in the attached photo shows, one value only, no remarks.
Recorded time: 7:56
